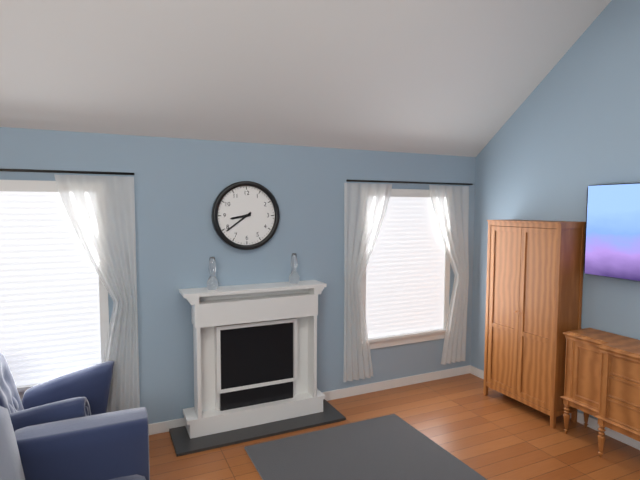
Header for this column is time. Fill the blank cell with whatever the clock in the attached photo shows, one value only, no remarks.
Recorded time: 8:39
